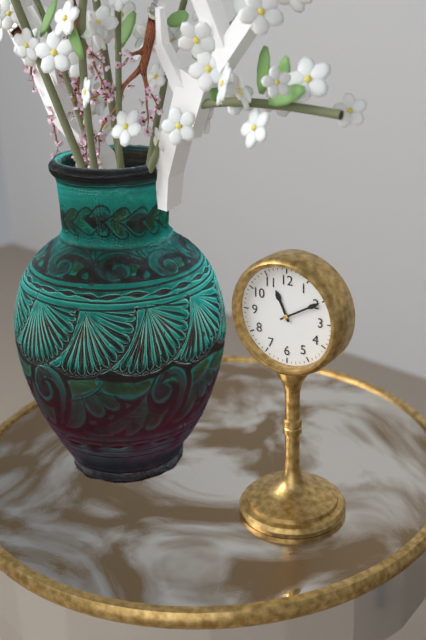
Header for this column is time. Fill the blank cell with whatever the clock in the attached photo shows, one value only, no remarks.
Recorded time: 11:10
